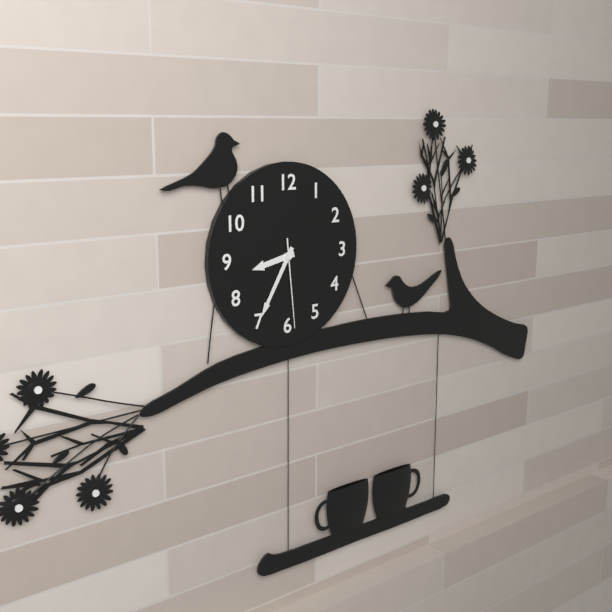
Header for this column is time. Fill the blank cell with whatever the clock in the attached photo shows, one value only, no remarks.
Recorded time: 8:35:29
